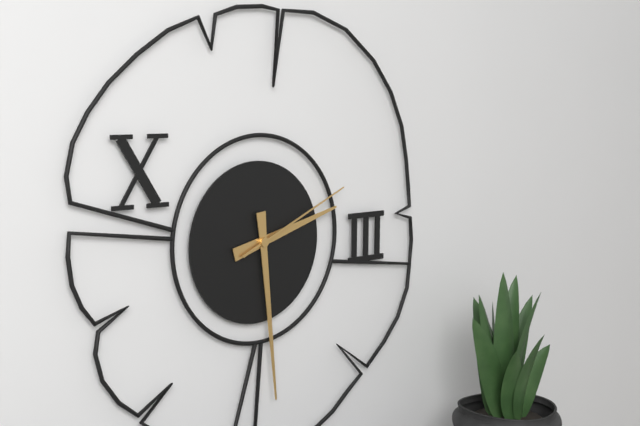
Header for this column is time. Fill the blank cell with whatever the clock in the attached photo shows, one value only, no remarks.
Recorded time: 2:29:11
